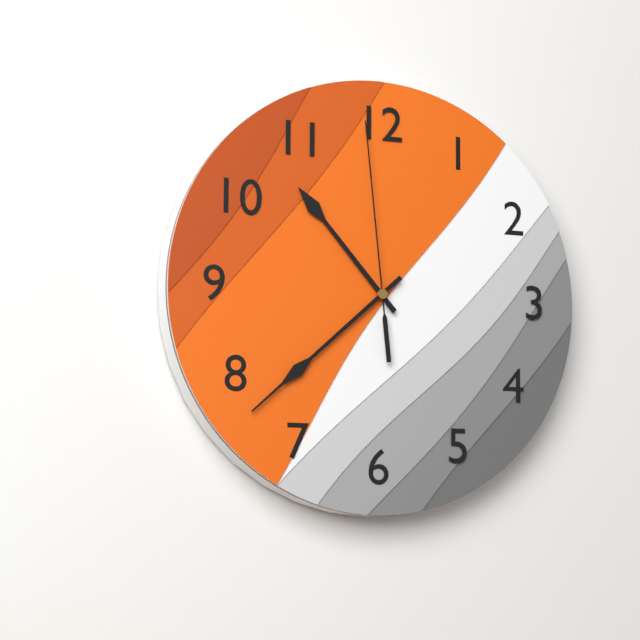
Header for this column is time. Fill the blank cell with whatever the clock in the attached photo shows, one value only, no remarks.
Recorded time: 10:38:59
